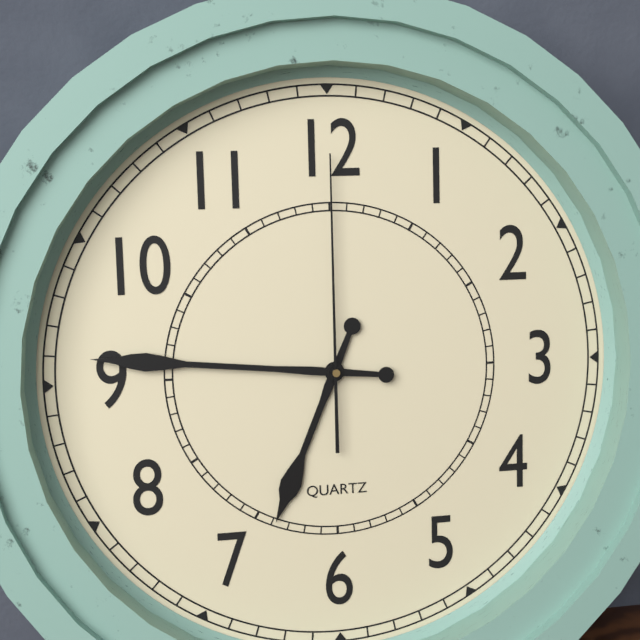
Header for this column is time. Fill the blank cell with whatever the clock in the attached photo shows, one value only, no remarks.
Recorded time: 6:46:00
